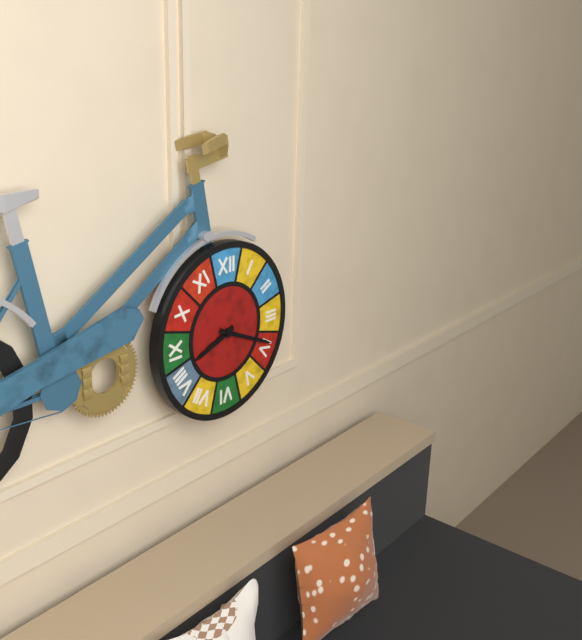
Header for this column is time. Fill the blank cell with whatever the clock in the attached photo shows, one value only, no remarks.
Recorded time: 8:19
